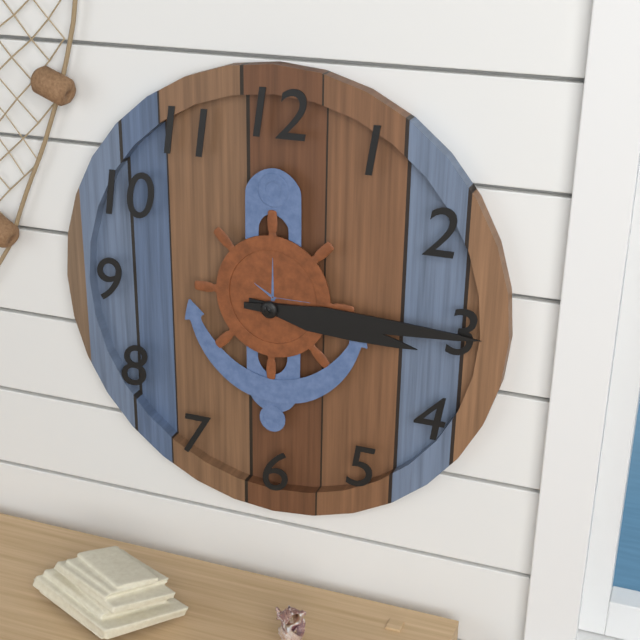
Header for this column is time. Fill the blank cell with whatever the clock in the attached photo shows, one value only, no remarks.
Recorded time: 3:15
